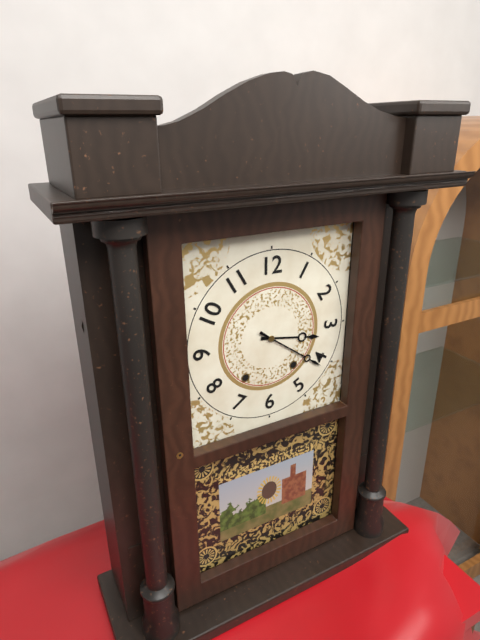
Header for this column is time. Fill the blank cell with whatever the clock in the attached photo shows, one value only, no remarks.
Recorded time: 3:21
